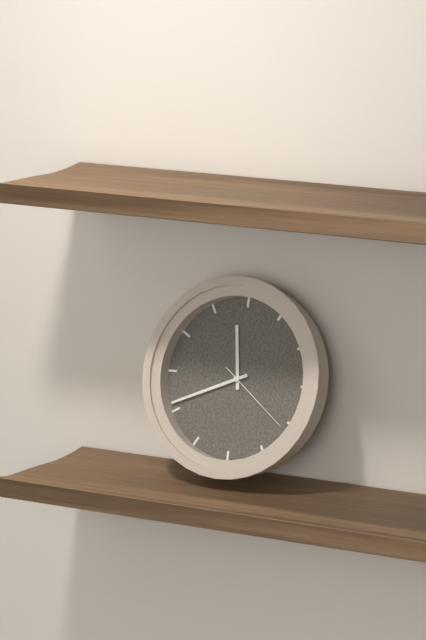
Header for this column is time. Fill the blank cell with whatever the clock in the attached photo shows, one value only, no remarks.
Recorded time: 11:41:21
